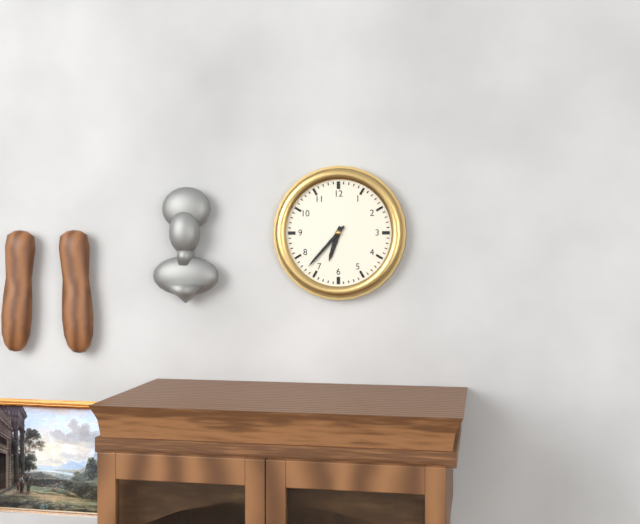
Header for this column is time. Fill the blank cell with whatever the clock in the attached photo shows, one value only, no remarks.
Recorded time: 6:37
